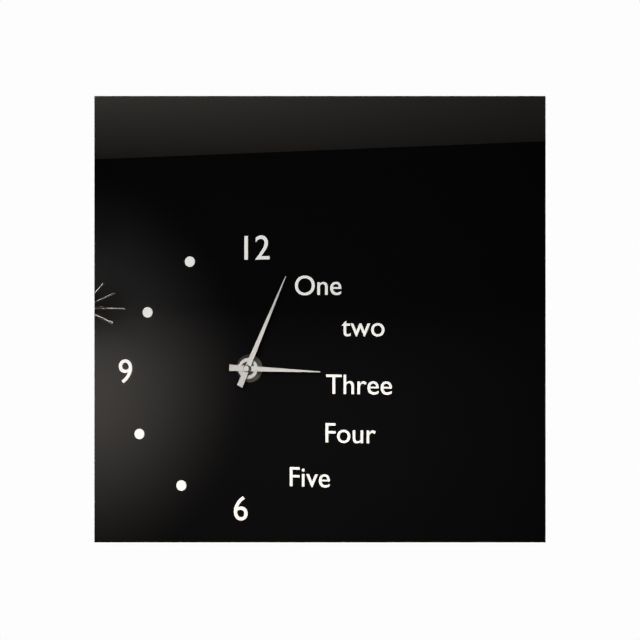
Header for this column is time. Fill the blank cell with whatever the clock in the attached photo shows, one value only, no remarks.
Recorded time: 3:04
